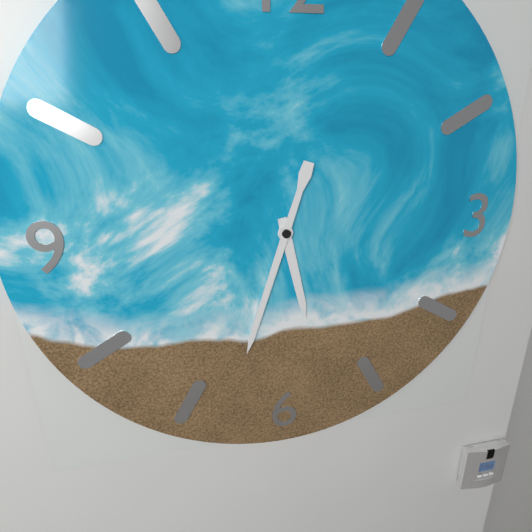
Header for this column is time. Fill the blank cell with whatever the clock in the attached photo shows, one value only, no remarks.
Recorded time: 5:33
